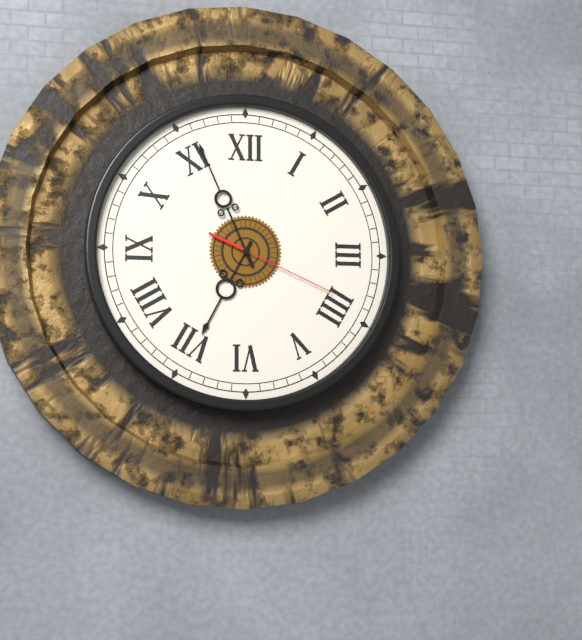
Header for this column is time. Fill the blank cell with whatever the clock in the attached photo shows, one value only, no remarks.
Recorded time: 6:56:19
